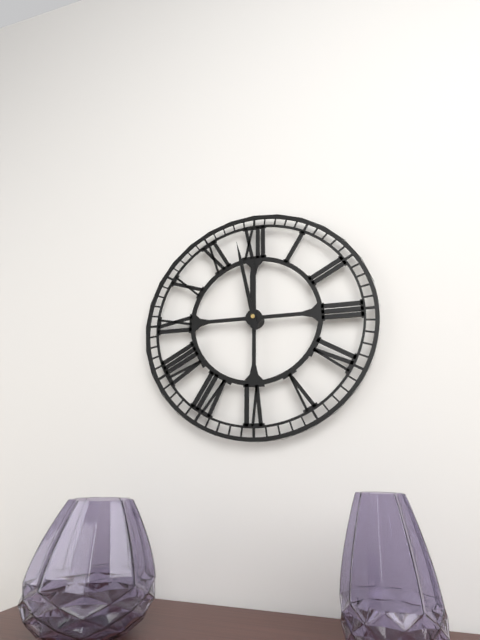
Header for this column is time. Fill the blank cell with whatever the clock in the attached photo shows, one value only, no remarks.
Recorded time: 11:58
